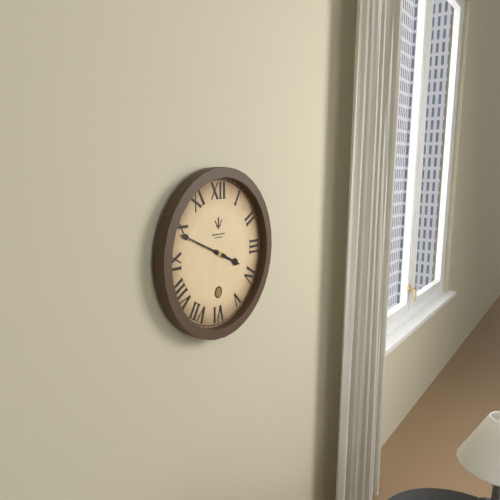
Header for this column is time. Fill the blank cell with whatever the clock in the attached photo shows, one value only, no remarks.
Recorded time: 3:49
